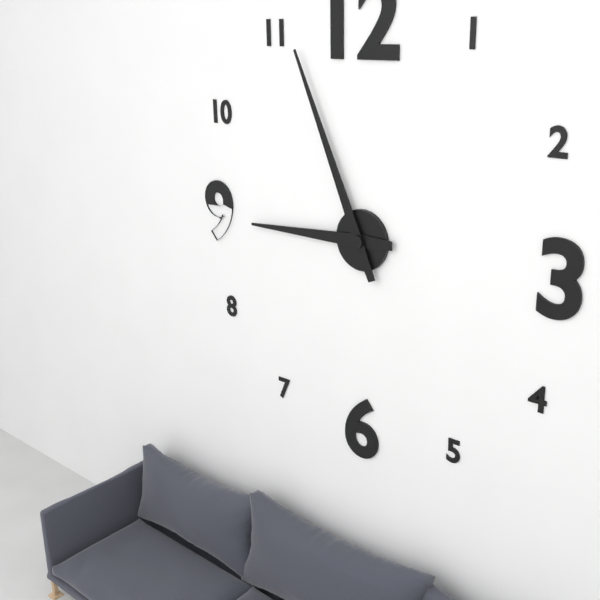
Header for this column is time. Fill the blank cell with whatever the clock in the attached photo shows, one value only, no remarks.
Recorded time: 8:56
